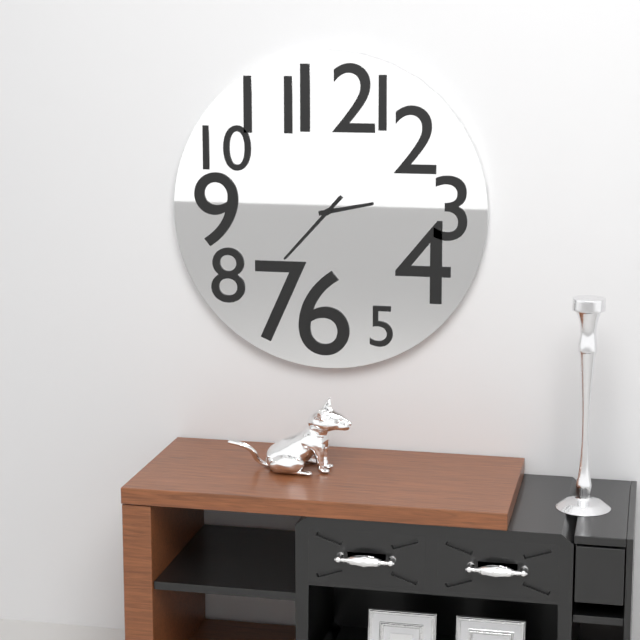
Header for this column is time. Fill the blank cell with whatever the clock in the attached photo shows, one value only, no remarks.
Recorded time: 2:37
